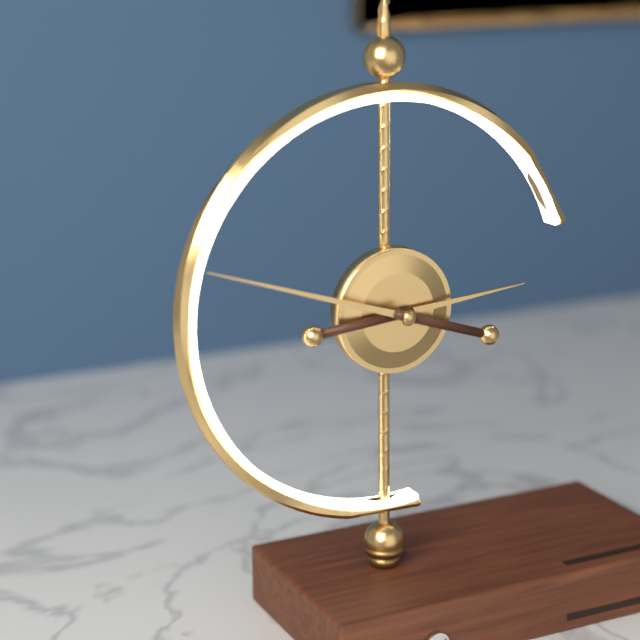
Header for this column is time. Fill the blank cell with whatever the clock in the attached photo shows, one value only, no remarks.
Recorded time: 2:48
